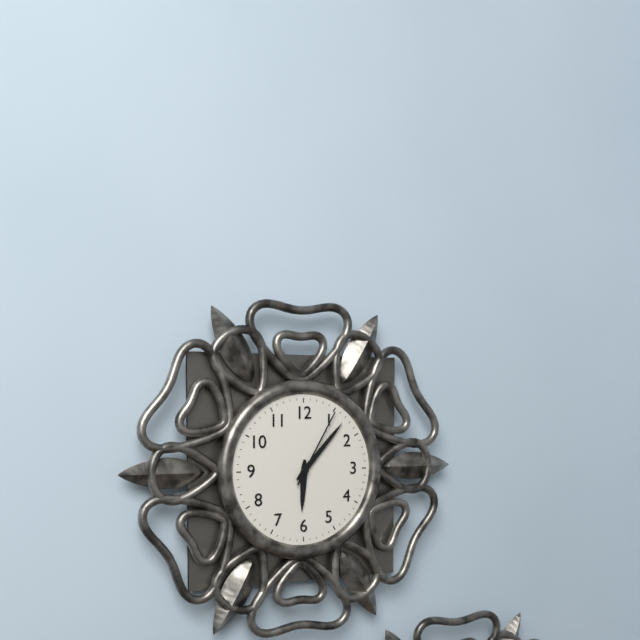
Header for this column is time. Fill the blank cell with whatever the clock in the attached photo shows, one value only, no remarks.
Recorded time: 6:07:05
